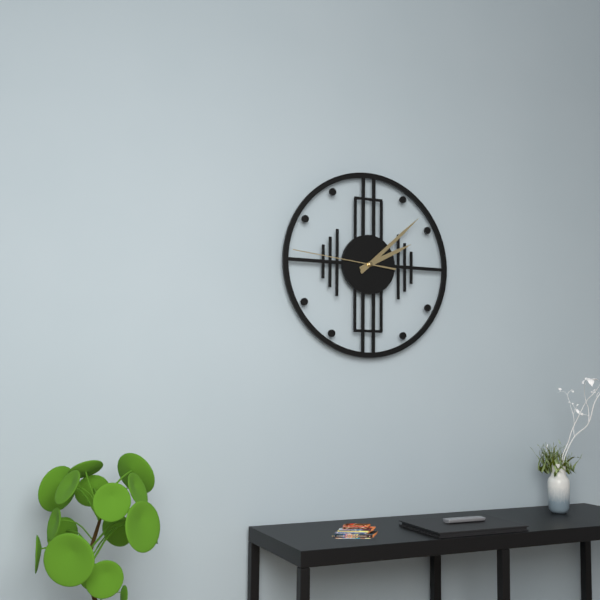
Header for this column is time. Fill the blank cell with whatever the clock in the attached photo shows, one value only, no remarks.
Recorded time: 2:08:46
